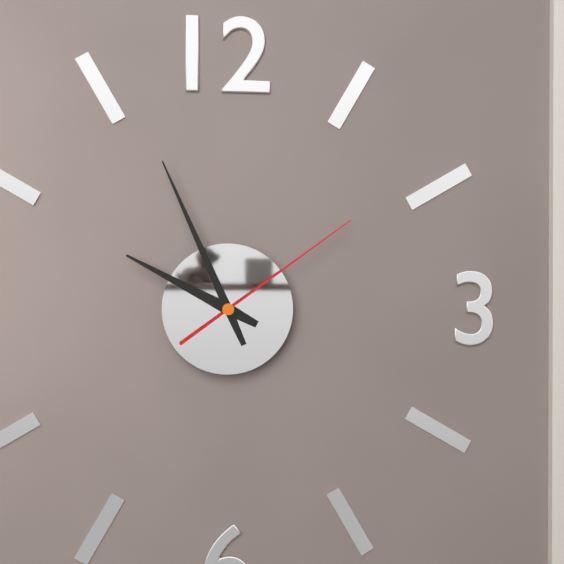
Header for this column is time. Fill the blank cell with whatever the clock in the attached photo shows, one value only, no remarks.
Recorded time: 9:56:09
